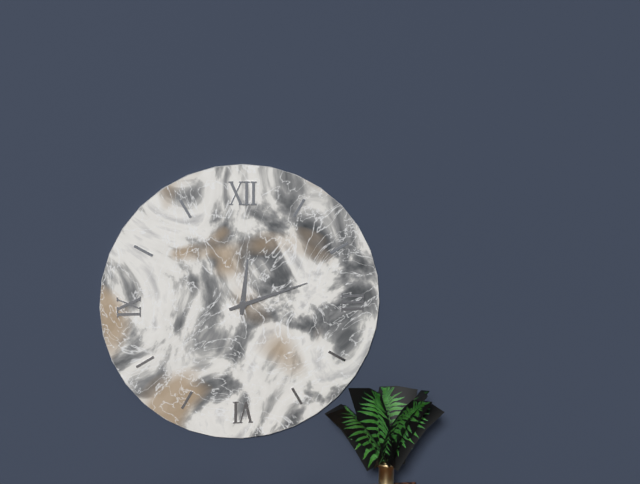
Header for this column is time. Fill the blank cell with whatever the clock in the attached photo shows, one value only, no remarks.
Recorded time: 12:12
